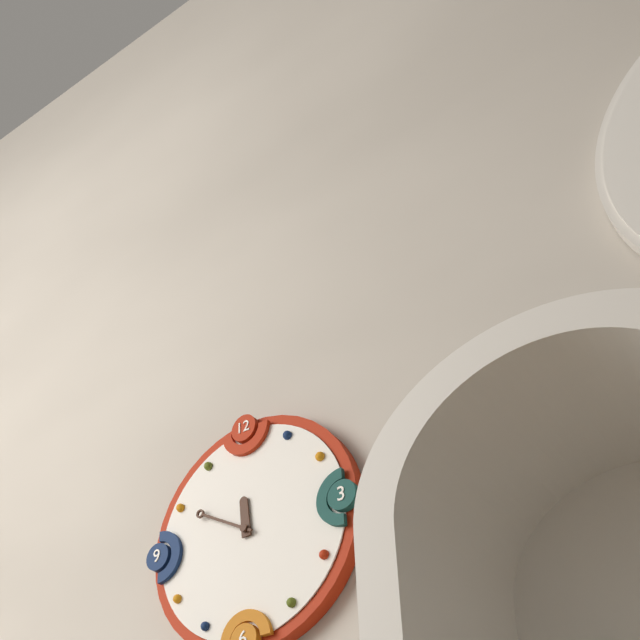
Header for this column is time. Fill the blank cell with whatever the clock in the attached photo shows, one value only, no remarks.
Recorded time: 11:50
